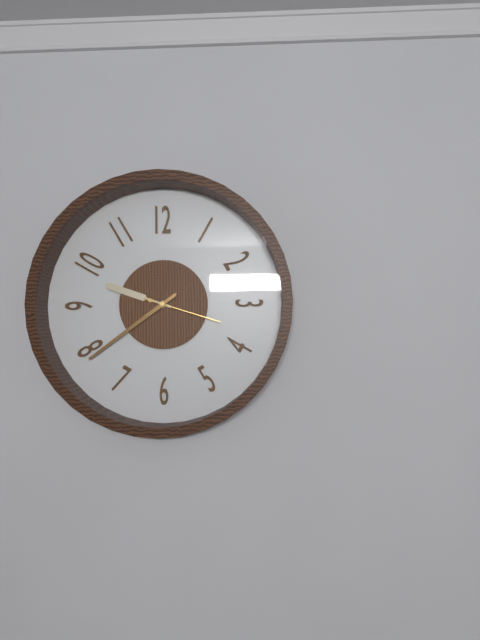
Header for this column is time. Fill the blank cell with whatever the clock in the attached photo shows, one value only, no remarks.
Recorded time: 9:39:18
